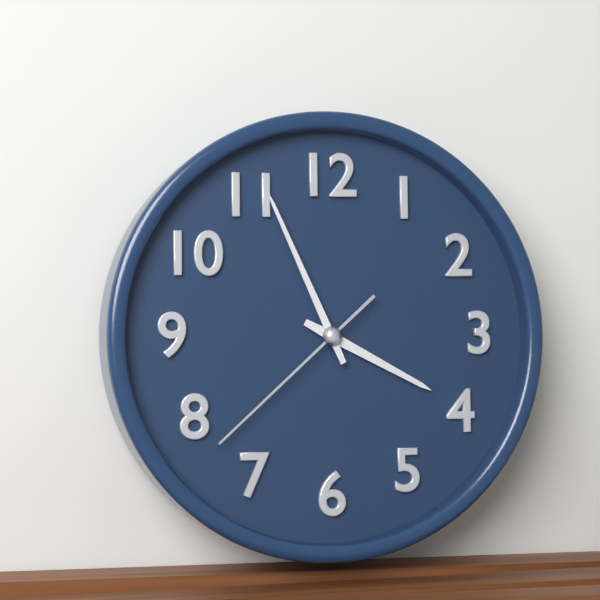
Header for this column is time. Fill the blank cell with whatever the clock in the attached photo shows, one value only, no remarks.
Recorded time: 3:56:38
